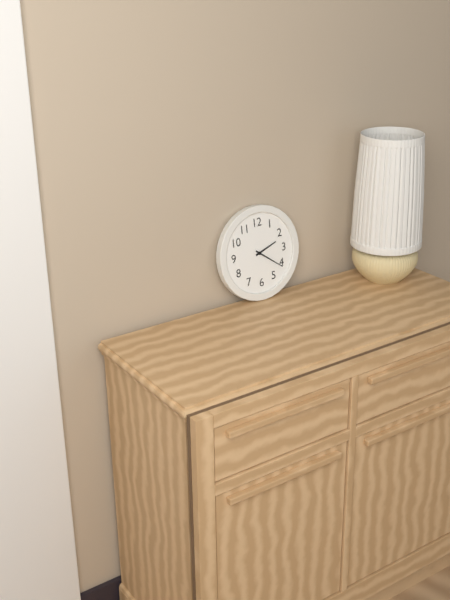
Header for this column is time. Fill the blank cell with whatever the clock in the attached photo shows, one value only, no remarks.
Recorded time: 2:21
